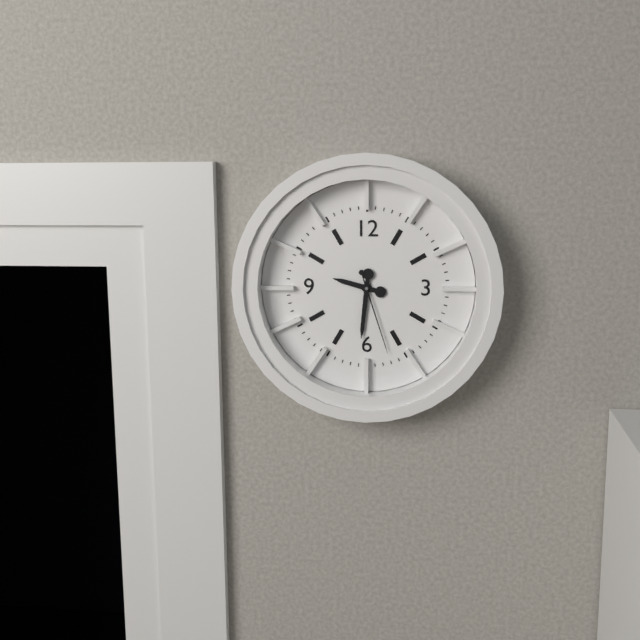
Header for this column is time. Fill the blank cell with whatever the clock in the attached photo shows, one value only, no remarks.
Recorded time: 9:31:27
